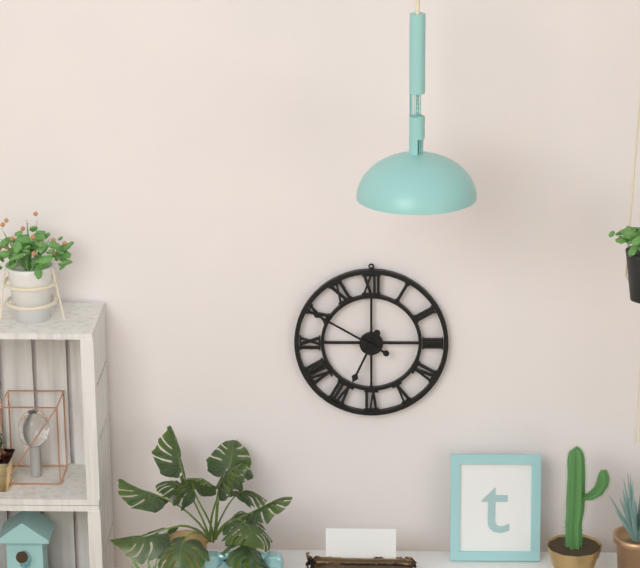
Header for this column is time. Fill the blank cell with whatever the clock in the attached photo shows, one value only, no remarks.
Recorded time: 6:50
